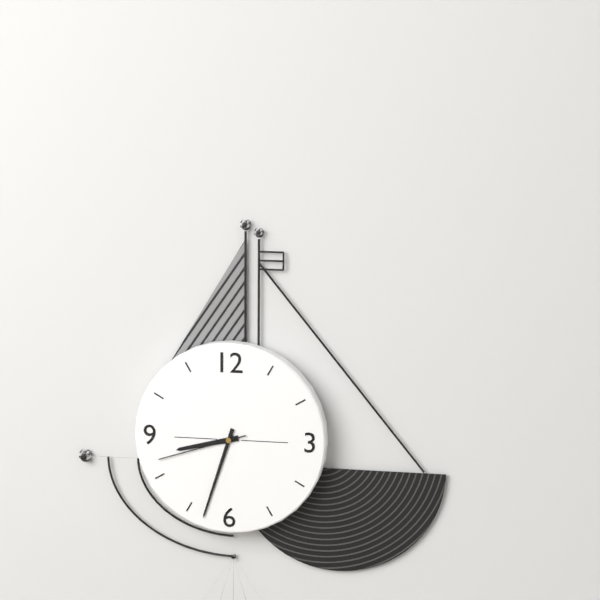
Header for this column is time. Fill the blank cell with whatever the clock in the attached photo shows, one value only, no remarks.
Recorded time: 8:33:42
